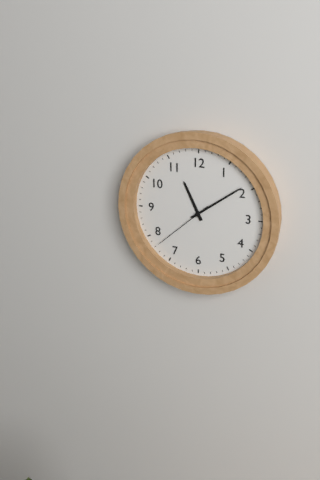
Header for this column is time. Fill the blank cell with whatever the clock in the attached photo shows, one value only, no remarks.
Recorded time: 11:09:38
